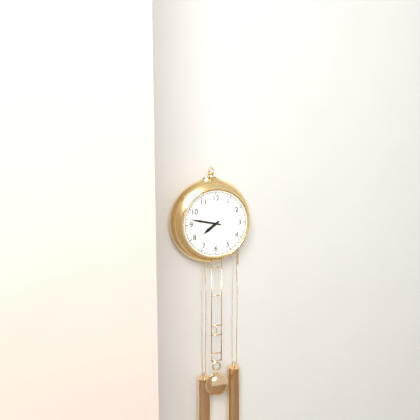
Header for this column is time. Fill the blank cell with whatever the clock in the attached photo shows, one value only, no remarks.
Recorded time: 7:47
